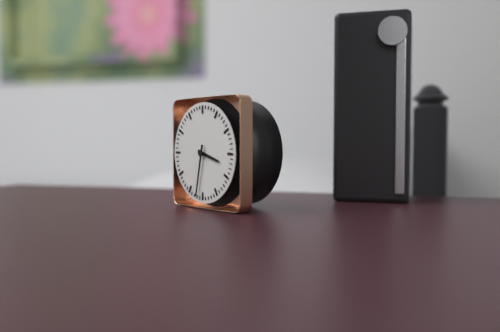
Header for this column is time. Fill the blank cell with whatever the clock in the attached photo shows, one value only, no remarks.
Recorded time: 3:32
